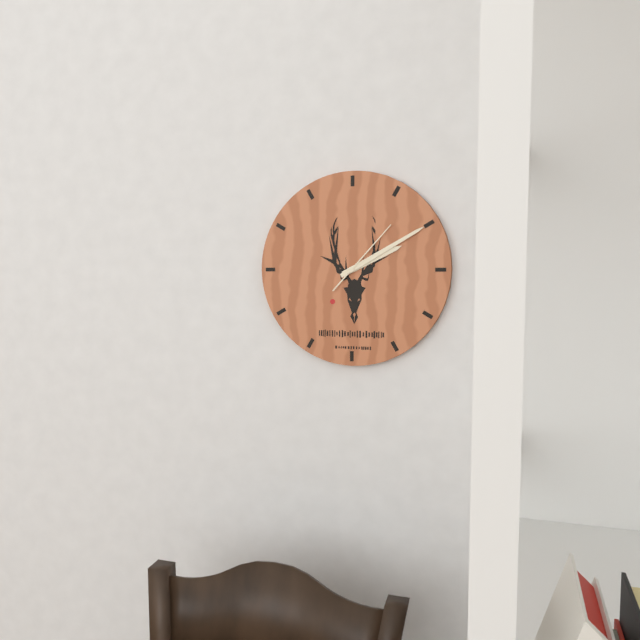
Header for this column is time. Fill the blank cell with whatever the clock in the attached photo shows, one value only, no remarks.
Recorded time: 2:10:07
